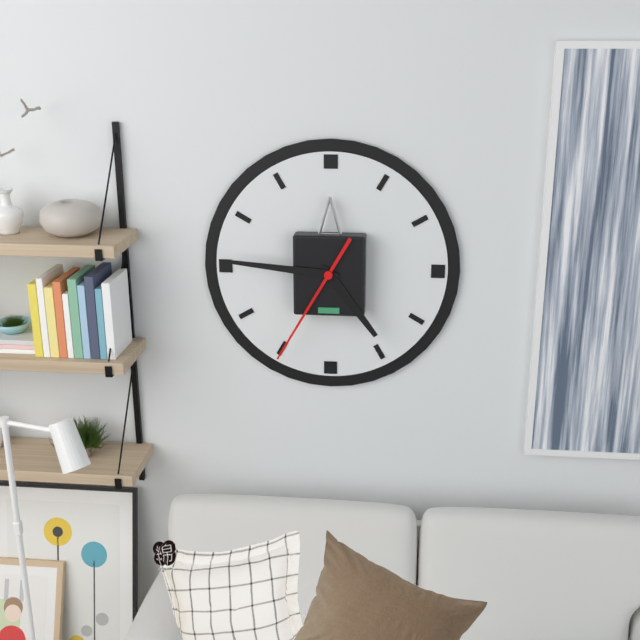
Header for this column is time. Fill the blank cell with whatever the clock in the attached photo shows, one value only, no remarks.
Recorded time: 4:46:35
